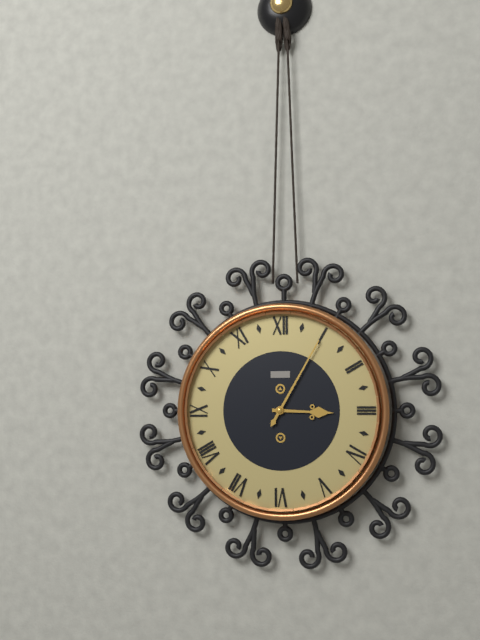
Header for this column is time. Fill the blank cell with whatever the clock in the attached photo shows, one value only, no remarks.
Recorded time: 3:05
